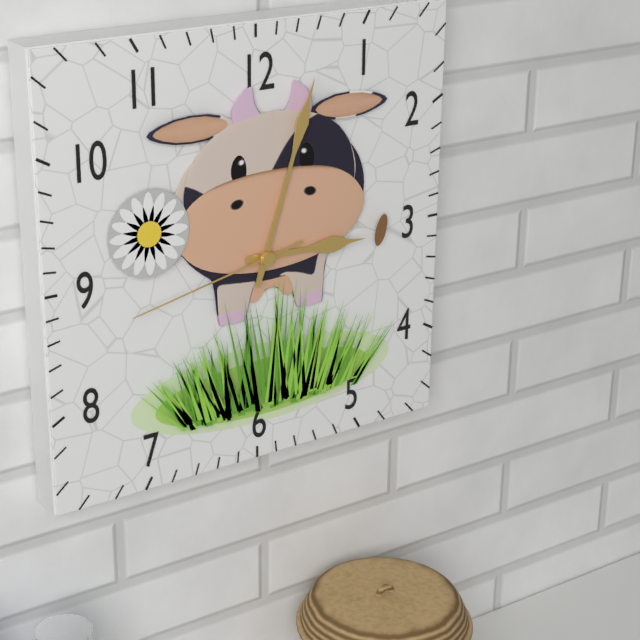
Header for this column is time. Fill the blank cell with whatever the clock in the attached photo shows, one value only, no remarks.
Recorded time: 3:03:43
